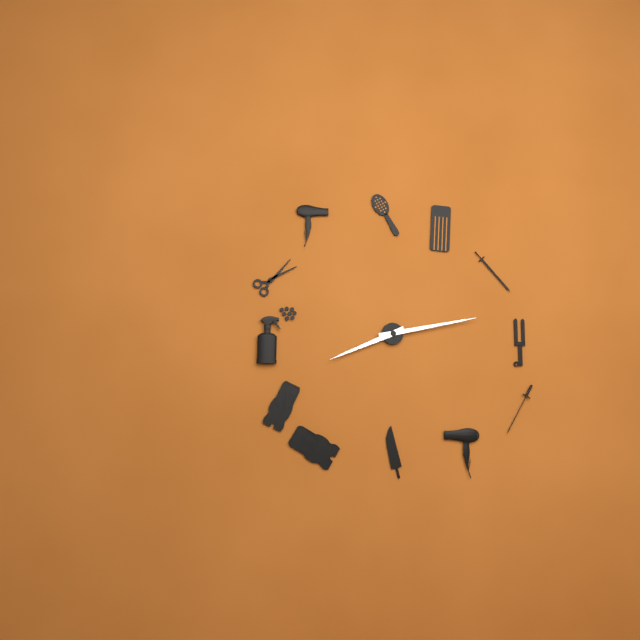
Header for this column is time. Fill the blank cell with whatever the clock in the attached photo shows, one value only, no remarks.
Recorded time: 8:13
